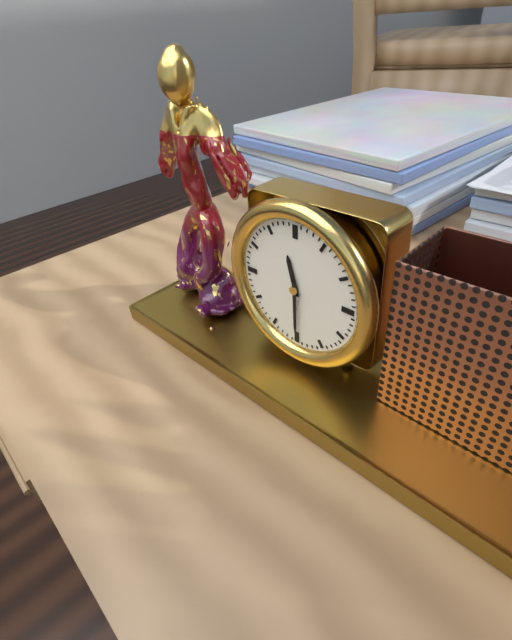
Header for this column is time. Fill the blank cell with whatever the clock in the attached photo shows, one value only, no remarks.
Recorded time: 11:30
